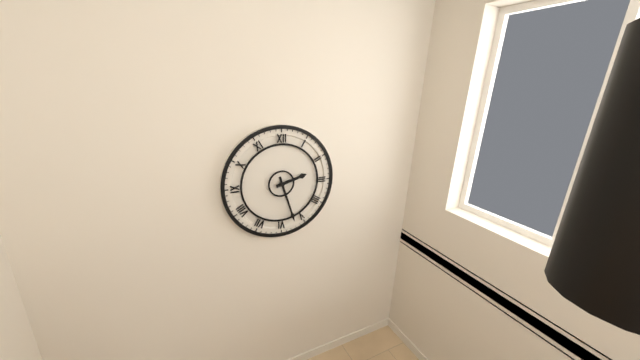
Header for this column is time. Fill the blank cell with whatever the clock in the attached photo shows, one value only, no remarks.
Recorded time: 2:27
